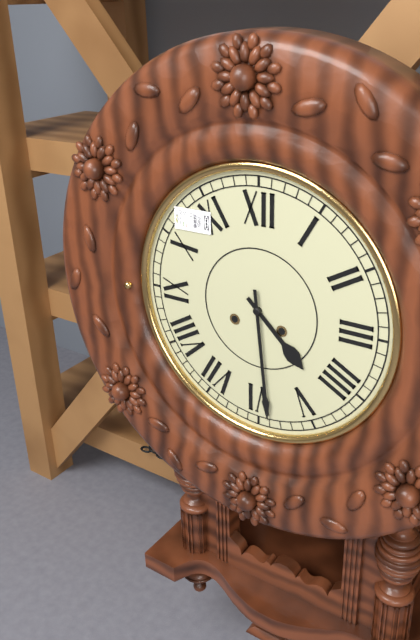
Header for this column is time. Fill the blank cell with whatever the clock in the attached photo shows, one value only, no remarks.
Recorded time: 4:29
